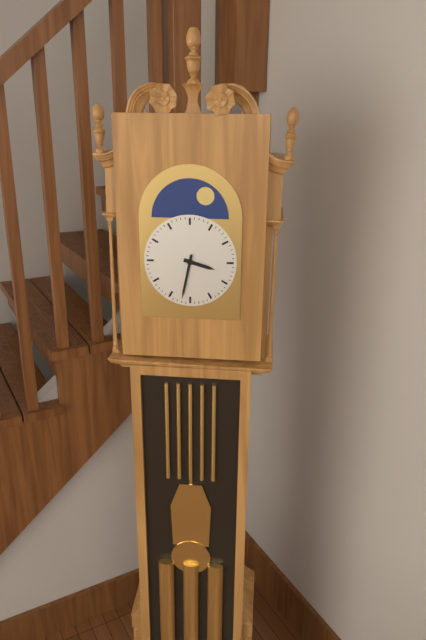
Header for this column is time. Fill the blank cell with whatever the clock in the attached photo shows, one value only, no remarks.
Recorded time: 3:32
